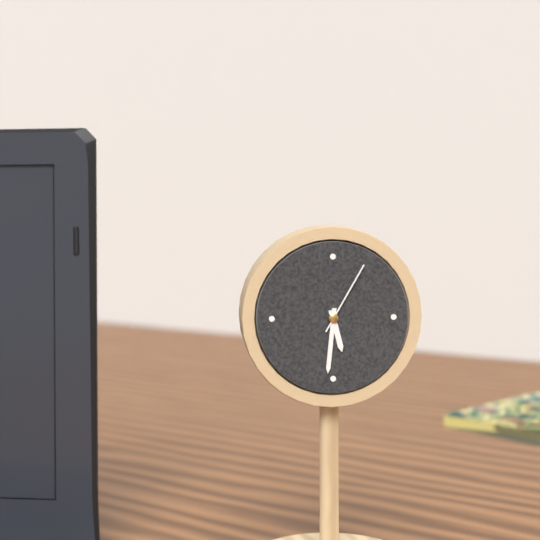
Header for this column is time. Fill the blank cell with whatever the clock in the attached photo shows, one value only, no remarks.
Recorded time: 5:31:05
